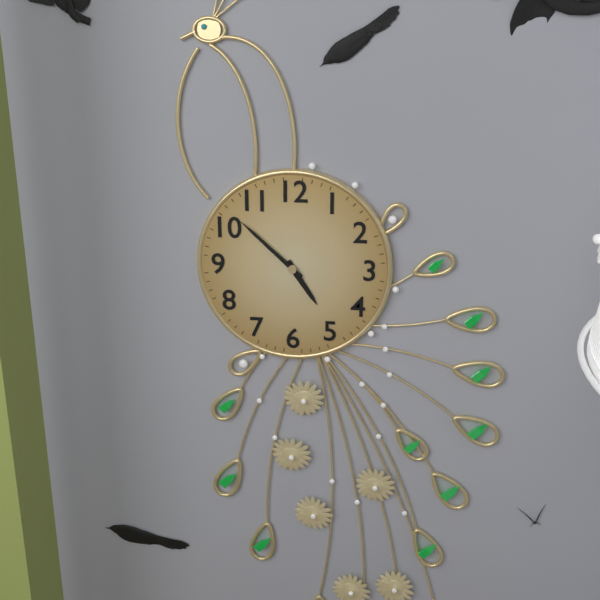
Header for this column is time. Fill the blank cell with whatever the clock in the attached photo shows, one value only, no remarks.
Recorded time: 4:52
